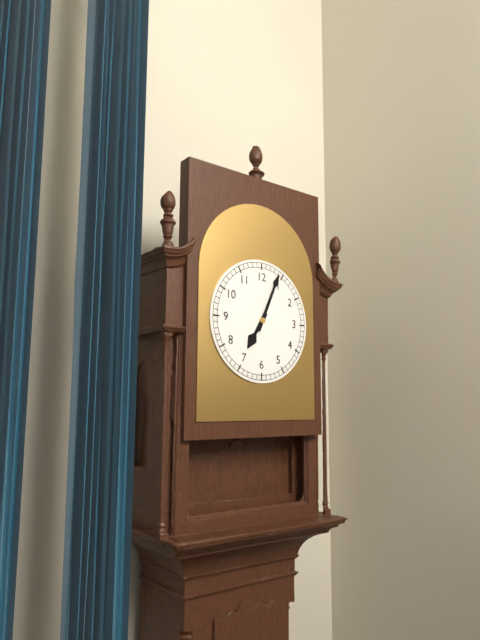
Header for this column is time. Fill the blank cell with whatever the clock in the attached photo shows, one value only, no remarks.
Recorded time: 7:04
